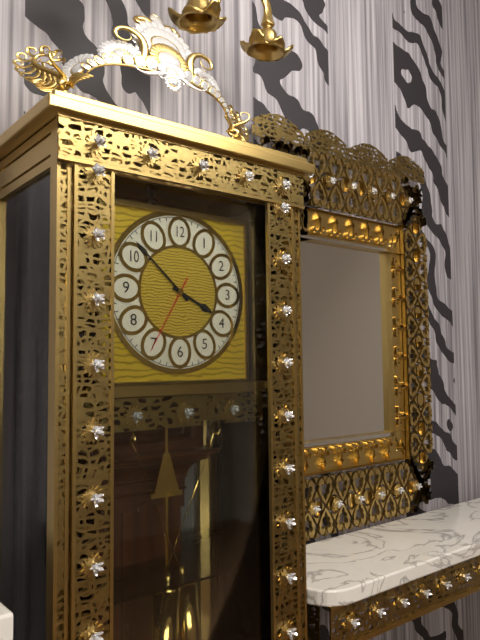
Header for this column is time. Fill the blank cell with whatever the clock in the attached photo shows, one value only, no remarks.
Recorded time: 3:52:35
